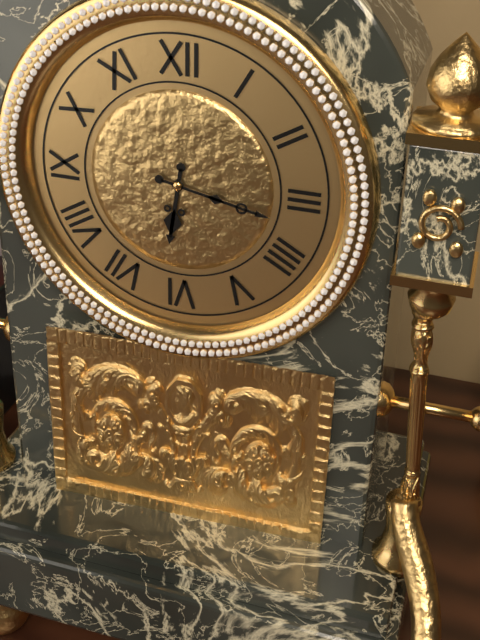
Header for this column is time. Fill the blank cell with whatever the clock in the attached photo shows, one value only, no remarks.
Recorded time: 6:17
